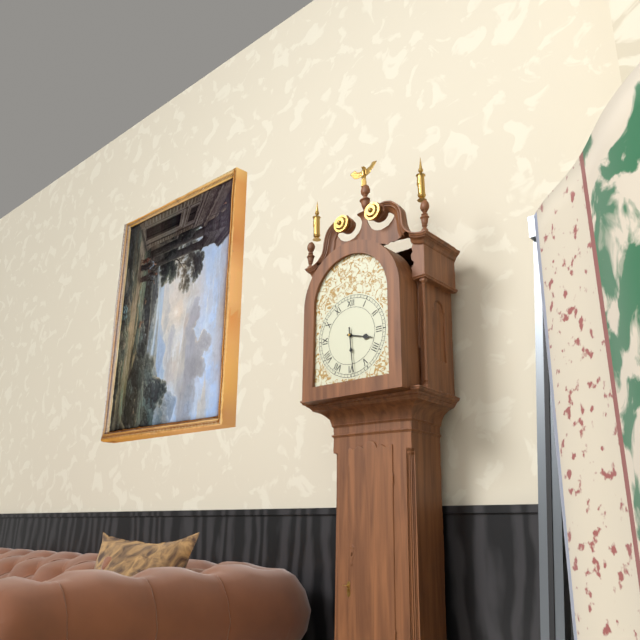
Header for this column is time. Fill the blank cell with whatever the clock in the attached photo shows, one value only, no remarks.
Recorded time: 3:29
